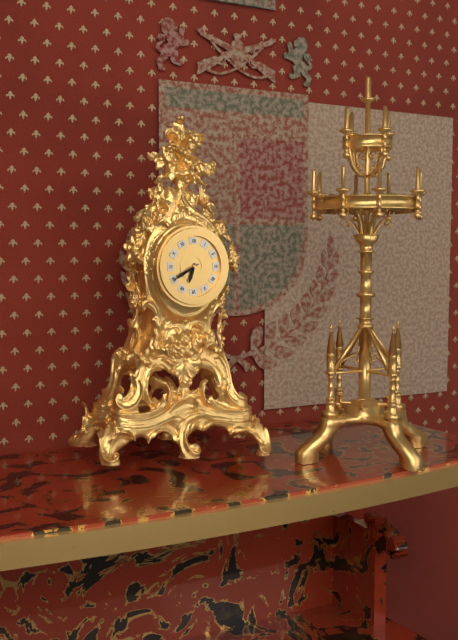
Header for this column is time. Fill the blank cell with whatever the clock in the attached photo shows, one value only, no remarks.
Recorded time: 6:40
